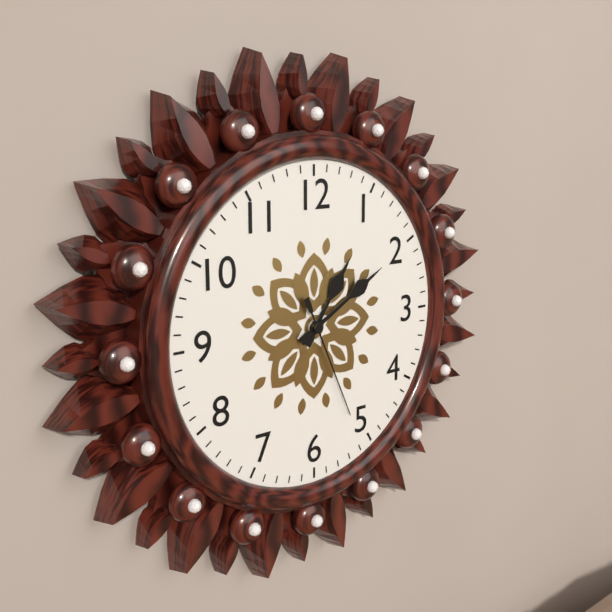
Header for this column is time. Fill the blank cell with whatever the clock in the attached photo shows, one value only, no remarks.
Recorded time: 1:10:26
